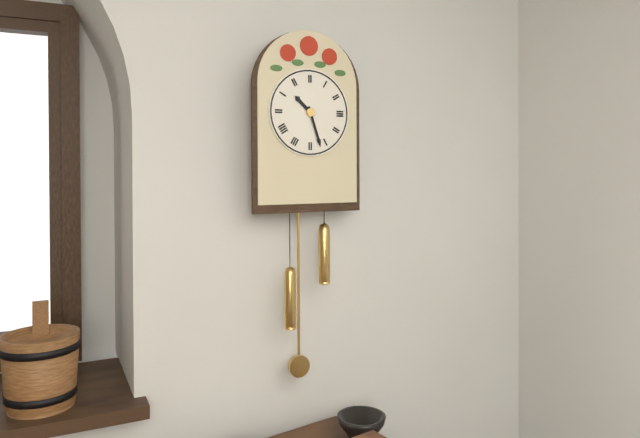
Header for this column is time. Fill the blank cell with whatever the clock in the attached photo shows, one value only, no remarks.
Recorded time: 10:27
